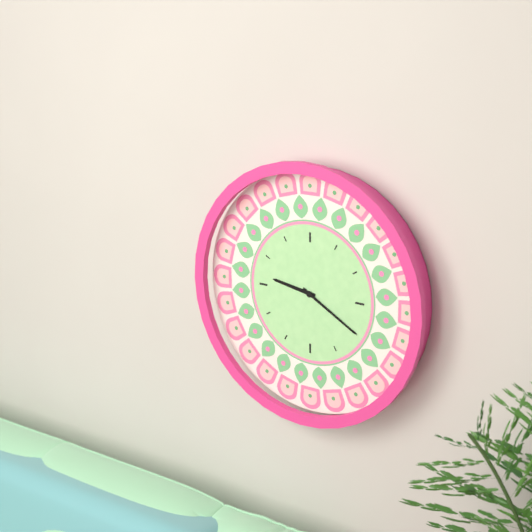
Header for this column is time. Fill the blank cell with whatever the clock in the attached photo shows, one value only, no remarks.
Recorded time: 9:20
